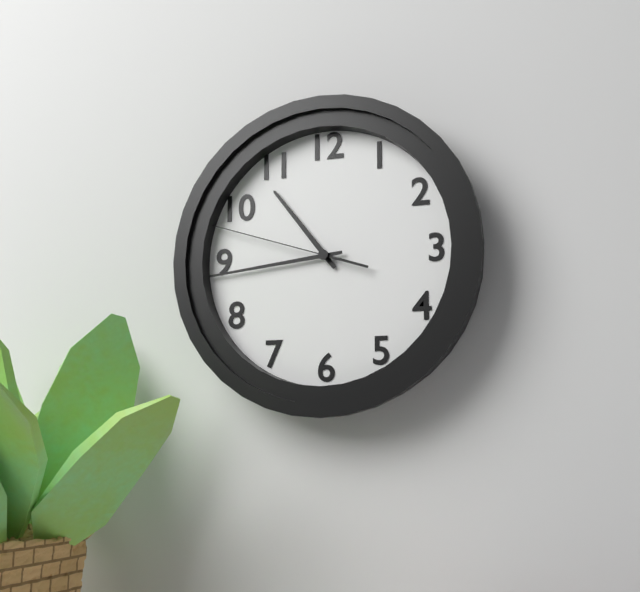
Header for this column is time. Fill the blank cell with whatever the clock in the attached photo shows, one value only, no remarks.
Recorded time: 10:44:48
